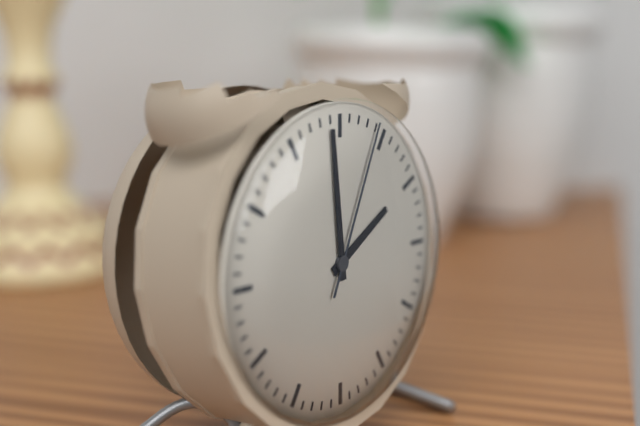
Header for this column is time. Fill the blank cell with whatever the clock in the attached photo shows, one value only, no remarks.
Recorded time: 1:59:04
